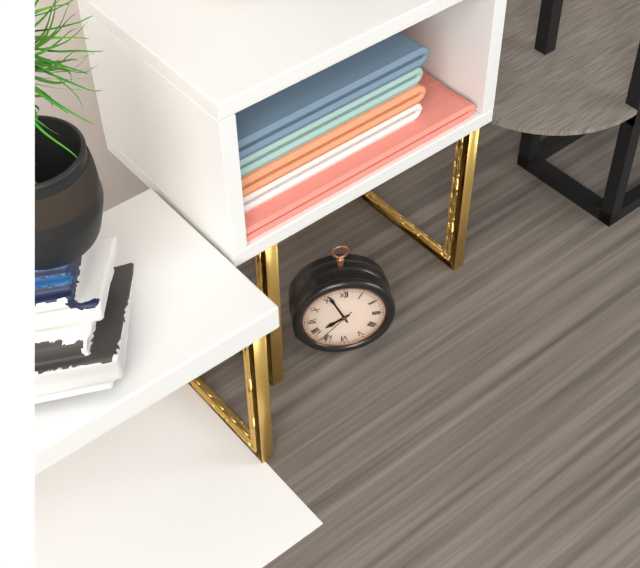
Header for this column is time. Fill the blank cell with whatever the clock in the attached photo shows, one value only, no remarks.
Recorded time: 7:56
